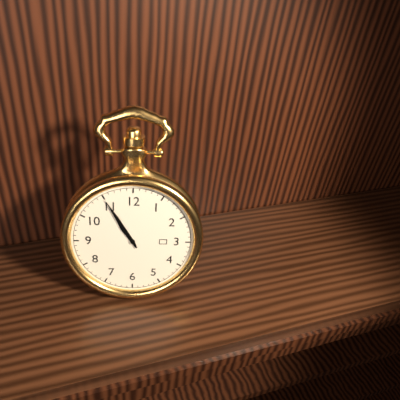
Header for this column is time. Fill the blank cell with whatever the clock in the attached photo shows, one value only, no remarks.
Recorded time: 10:55
